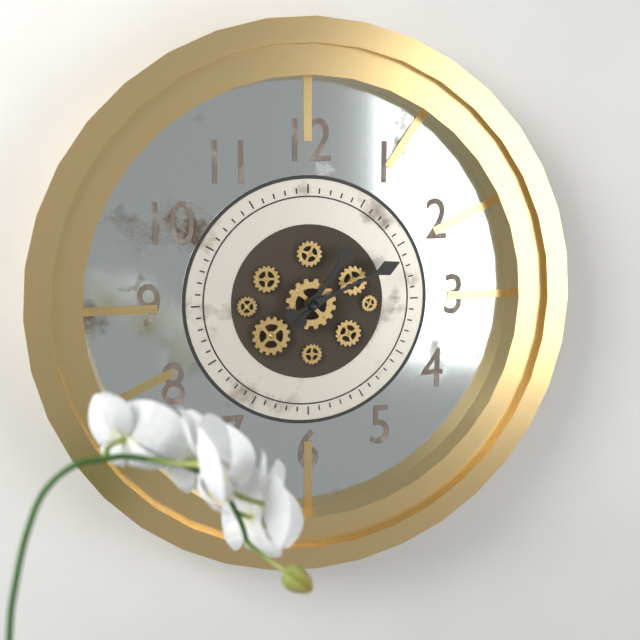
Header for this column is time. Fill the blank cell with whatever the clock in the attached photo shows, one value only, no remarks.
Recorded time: 1:11
